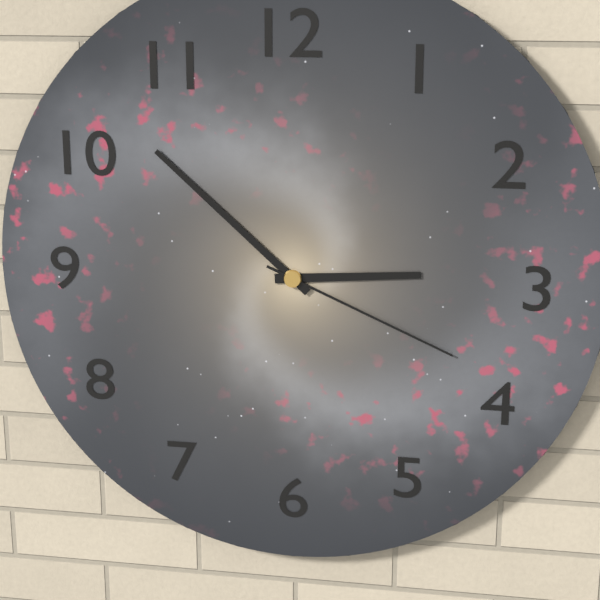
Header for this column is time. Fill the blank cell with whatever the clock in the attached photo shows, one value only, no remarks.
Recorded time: 2:52:19
